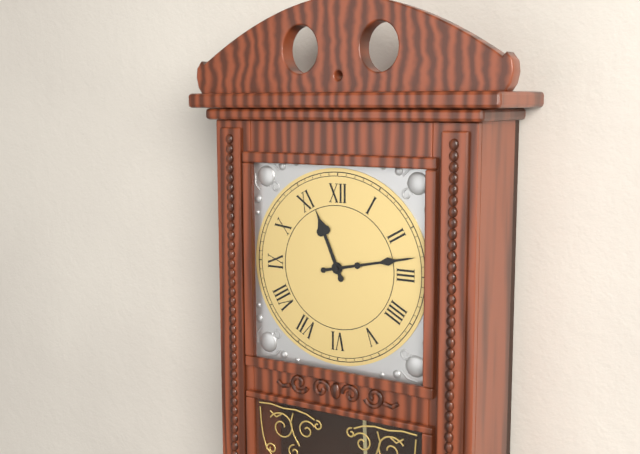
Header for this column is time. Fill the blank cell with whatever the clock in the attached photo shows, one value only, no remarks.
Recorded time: 11:13
